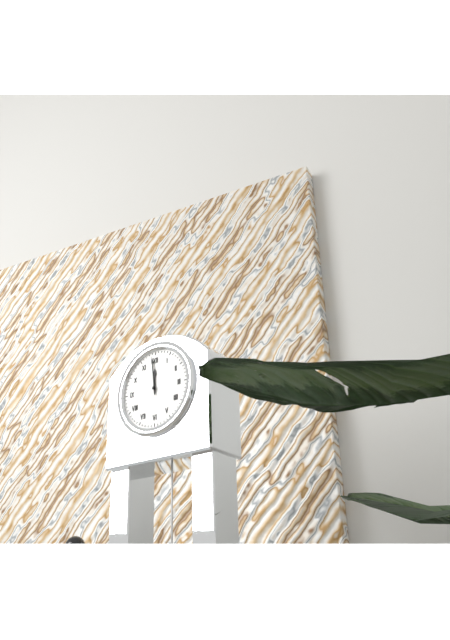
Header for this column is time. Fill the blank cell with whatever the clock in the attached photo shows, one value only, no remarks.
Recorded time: 11:59
